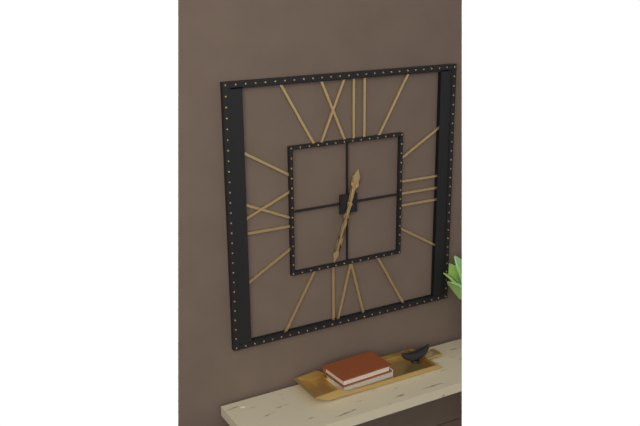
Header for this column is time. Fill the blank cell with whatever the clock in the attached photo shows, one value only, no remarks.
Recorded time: 12:33
